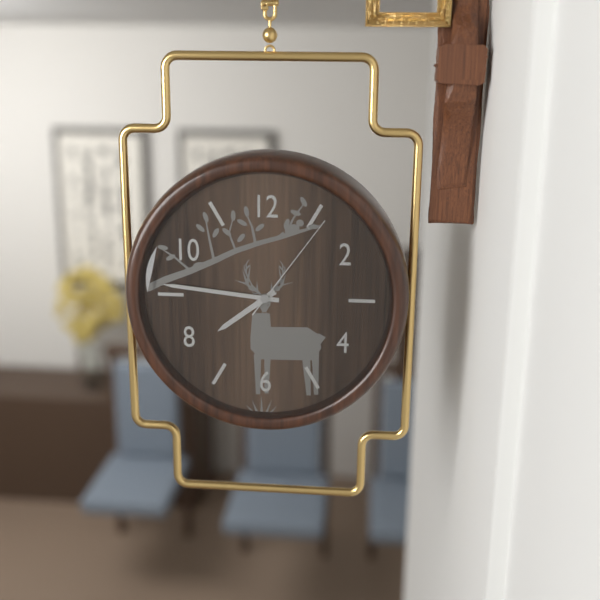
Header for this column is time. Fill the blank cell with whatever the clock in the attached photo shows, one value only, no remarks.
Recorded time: 7:46:06
